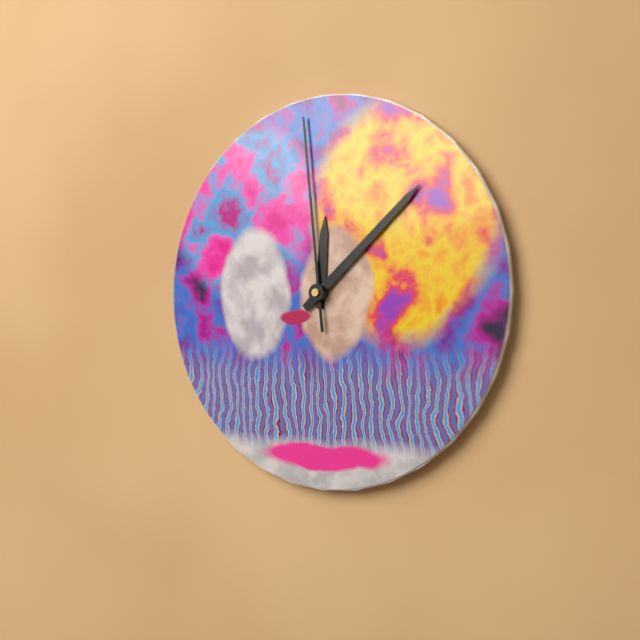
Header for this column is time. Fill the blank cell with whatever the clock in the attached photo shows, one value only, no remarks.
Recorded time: 12:08:59
